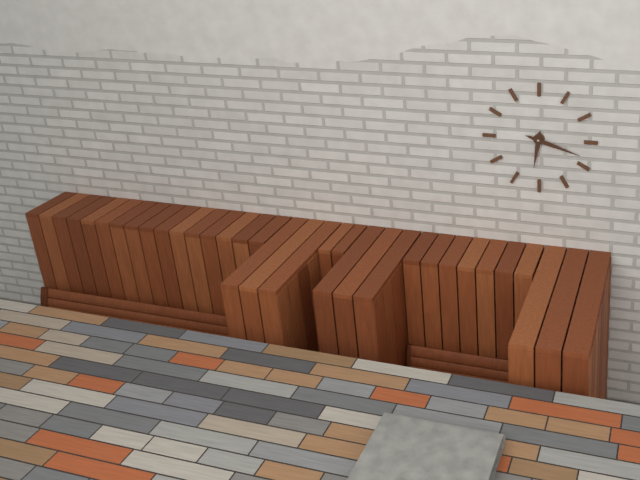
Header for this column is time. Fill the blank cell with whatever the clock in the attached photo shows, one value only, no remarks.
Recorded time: 6:18
